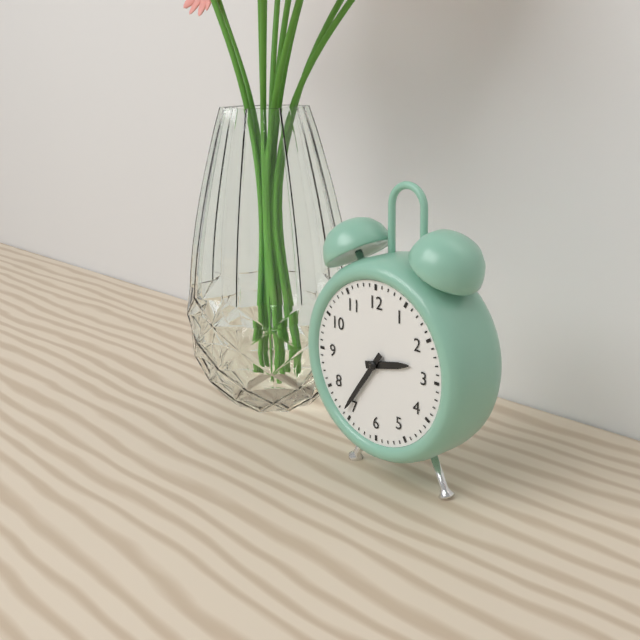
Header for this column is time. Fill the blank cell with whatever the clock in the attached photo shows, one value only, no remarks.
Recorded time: 2:36
